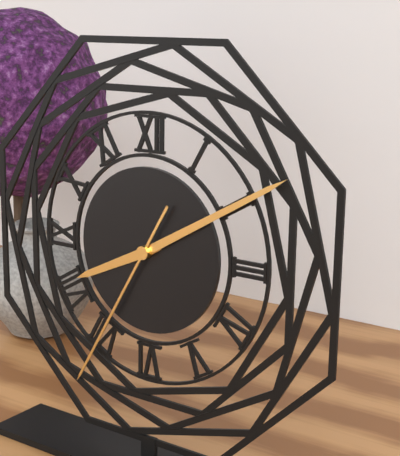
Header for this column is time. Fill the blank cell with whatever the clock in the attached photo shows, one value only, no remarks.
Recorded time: 8:10:35
